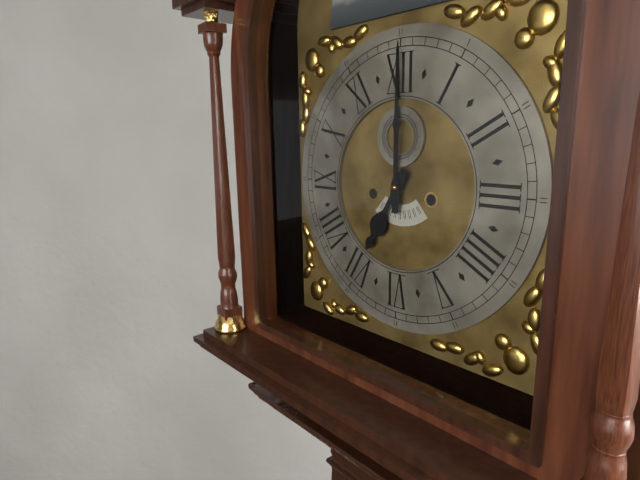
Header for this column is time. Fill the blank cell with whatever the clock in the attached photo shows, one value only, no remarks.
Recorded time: 7:00
